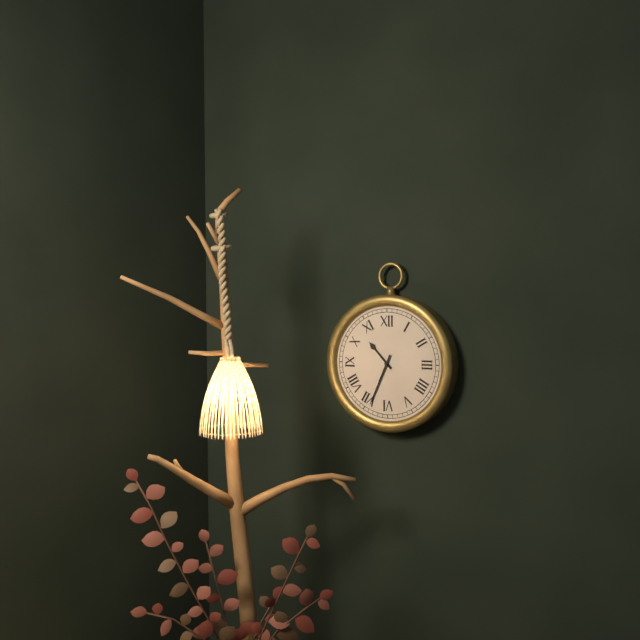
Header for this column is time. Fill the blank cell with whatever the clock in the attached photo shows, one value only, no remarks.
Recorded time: 10:34
